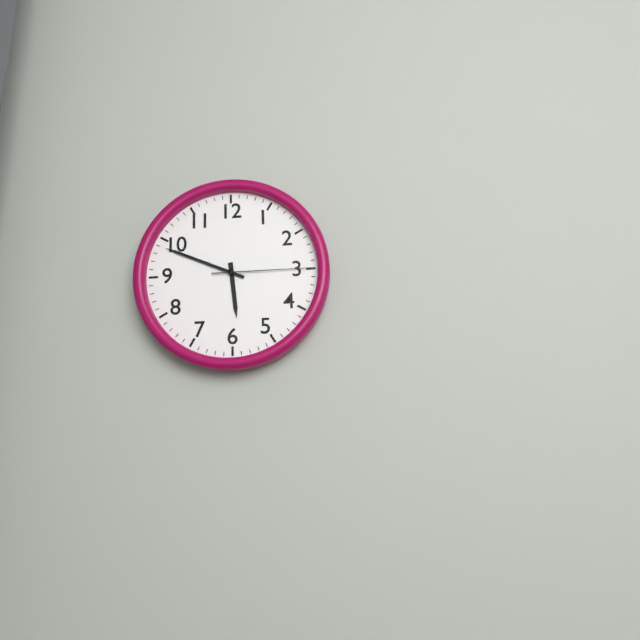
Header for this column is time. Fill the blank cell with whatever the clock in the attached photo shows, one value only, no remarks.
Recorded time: 5:49:15
